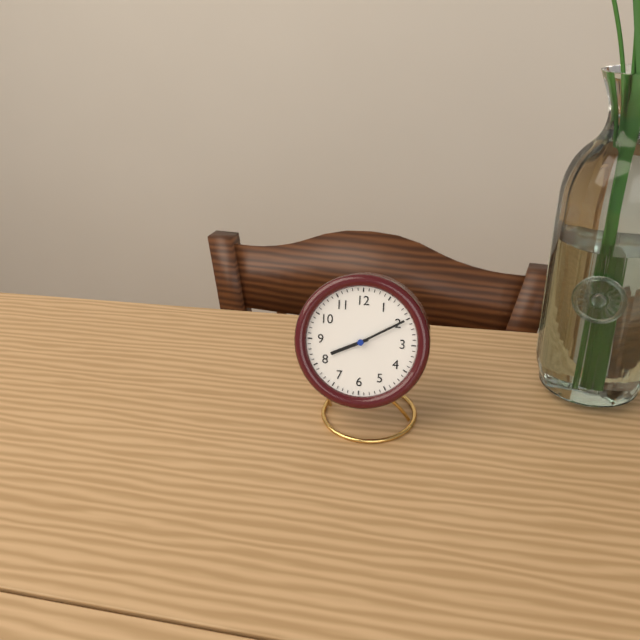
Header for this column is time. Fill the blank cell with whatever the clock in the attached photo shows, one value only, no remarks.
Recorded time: 8:10
